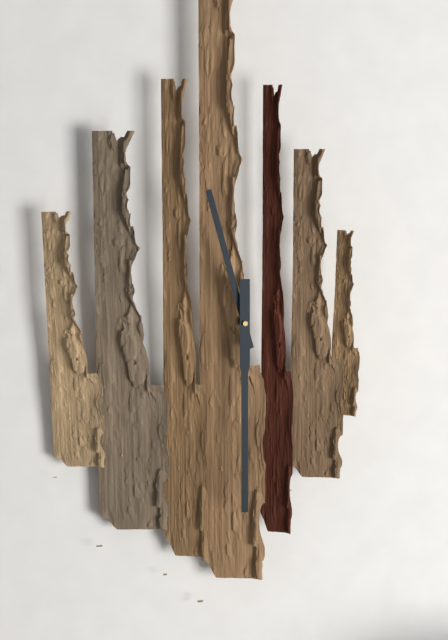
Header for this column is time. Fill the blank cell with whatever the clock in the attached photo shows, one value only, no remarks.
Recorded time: 11:30
